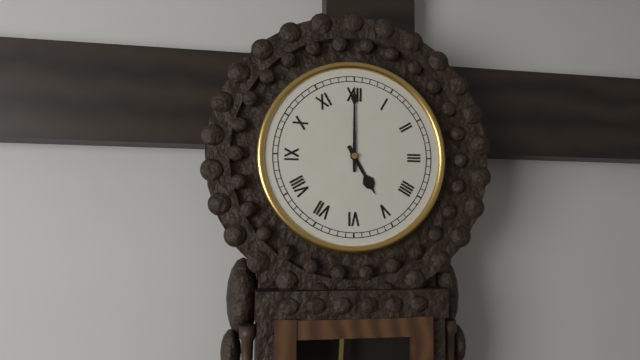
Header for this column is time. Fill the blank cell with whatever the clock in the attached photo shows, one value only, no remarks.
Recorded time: 5:00
